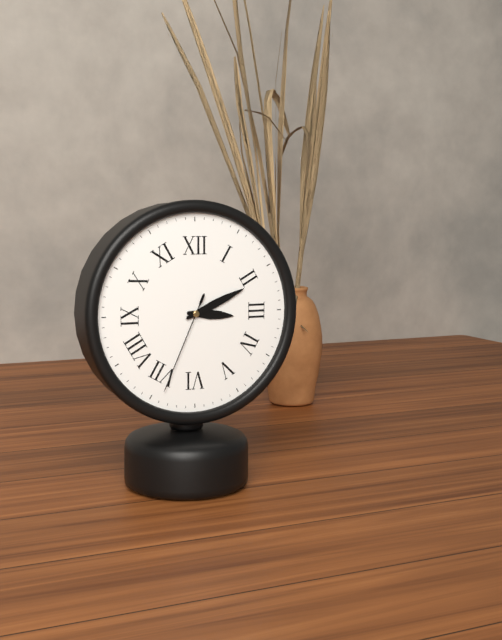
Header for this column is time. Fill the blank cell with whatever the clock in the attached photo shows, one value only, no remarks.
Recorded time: 3:11:34
